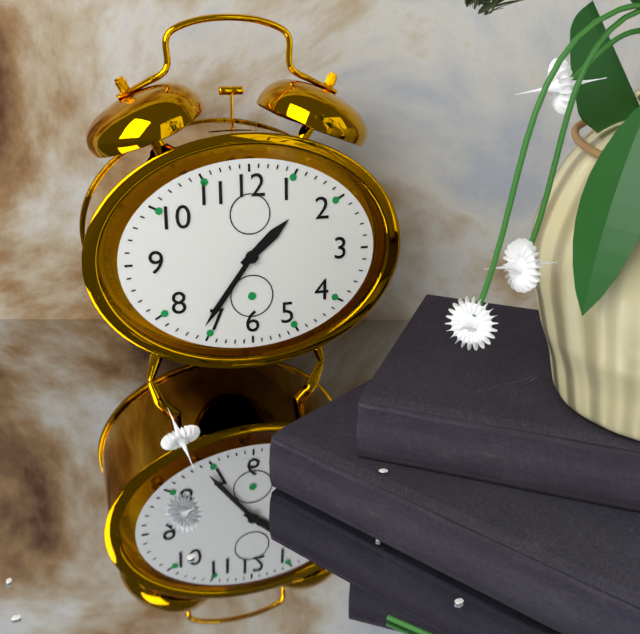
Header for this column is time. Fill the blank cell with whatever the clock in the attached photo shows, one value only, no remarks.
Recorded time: 1:36
